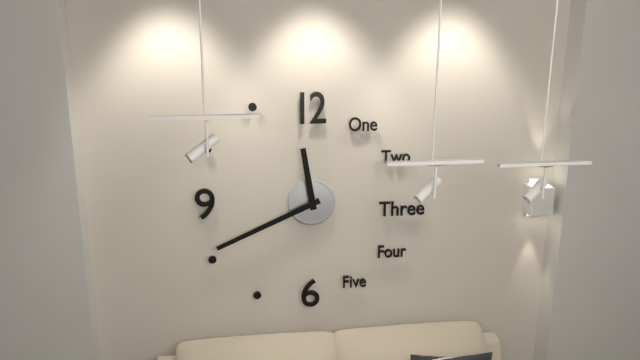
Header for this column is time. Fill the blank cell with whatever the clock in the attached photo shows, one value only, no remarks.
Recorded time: 11:41
